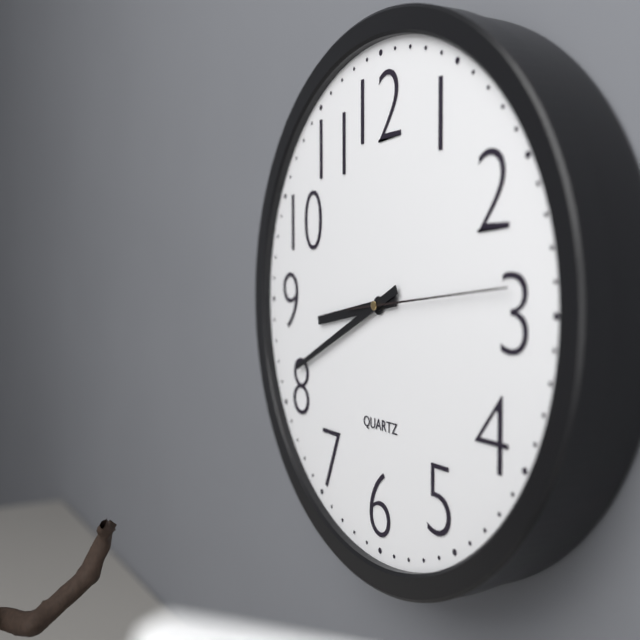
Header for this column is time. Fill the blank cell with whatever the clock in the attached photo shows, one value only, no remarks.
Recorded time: 8:41:14
